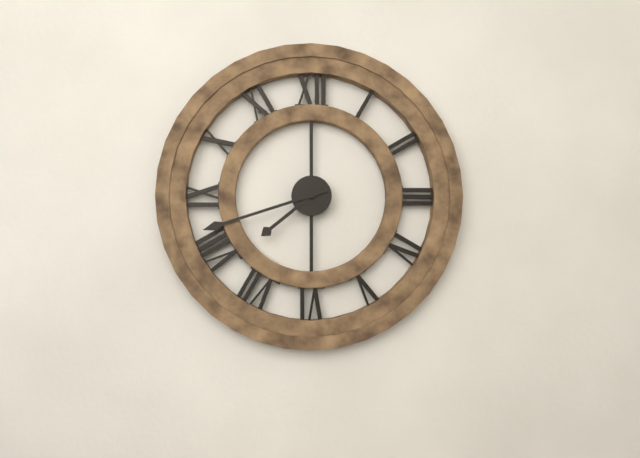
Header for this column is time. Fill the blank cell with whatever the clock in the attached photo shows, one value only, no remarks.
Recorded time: 7:42
